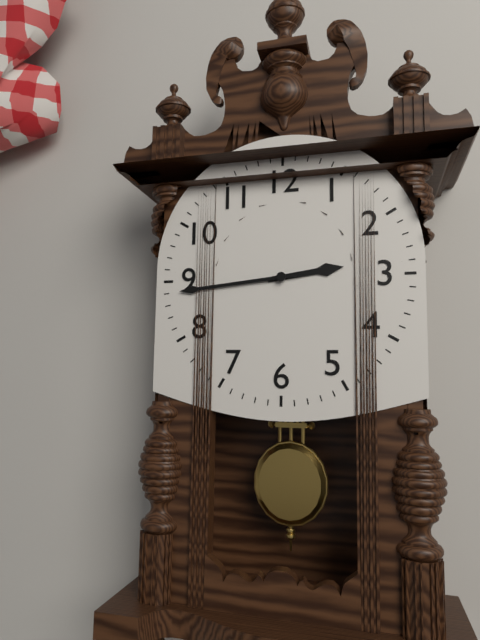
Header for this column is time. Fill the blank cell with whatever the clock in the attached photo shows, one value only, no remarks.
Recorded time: 2:44
